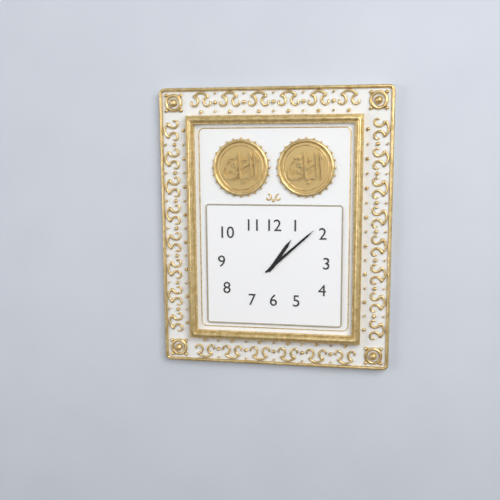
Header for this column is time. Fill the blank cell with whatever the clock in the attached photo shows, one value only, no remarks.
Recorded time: 1:08
